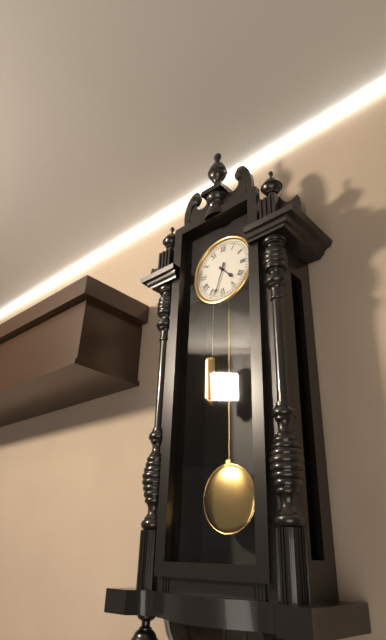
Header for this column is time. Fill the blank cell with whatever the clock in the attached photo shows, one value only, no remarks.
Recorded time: 4:33
